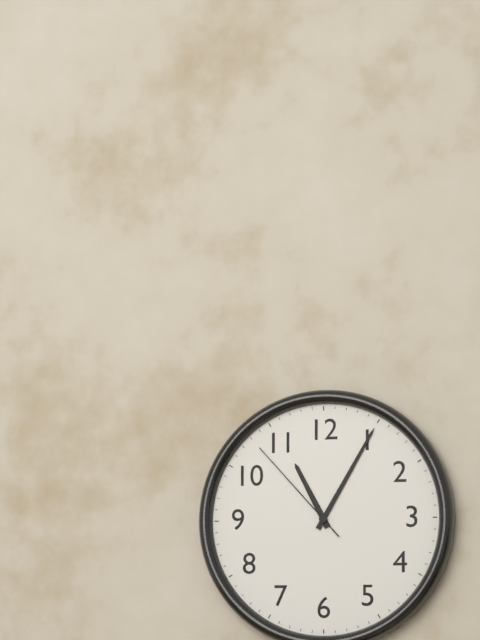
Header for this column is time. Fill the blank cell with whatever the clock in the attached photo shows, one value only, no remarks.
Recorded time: 11:05:53
